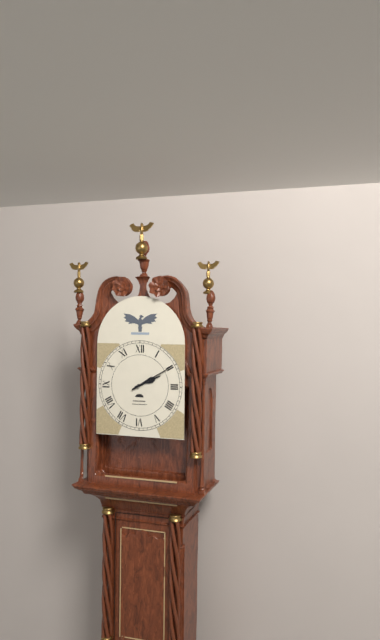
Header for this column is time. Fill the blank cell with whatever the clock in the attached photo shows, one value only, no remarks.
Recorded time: 2:10
